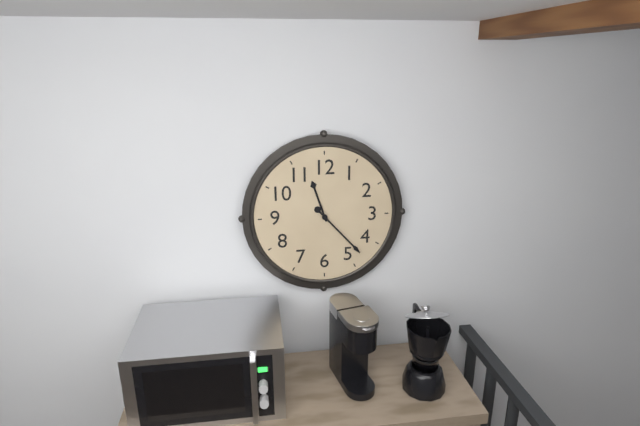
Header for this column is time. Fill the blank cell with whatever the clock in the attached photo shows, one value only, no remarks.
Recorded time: 11:23
